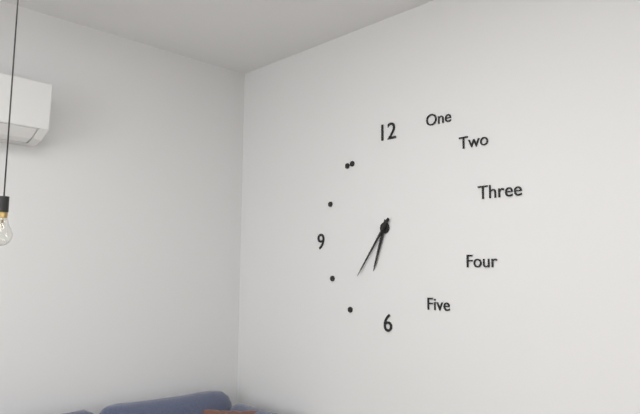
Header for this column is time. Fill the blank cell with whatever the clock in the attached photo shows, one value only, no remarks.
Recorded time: 6:36
